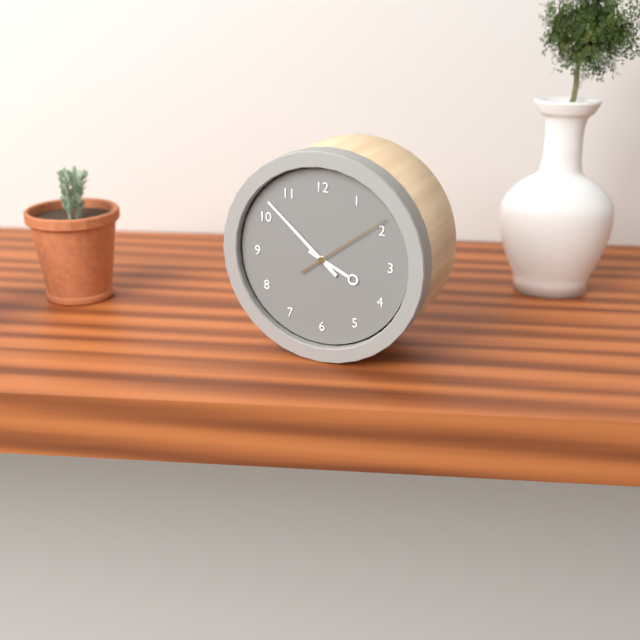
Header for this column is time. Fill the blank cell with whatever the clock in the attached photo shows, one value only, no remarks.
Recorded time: 3:52:09
